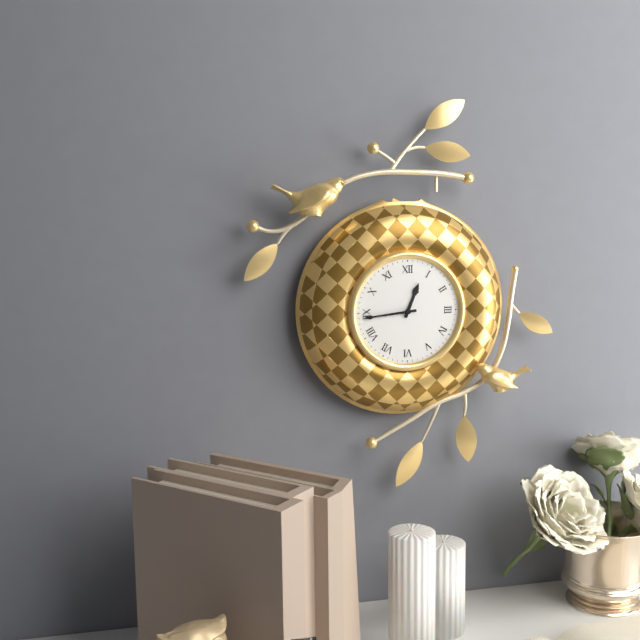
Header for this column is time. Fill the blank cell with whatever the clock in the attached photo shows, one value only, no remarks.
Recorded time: 12:44
